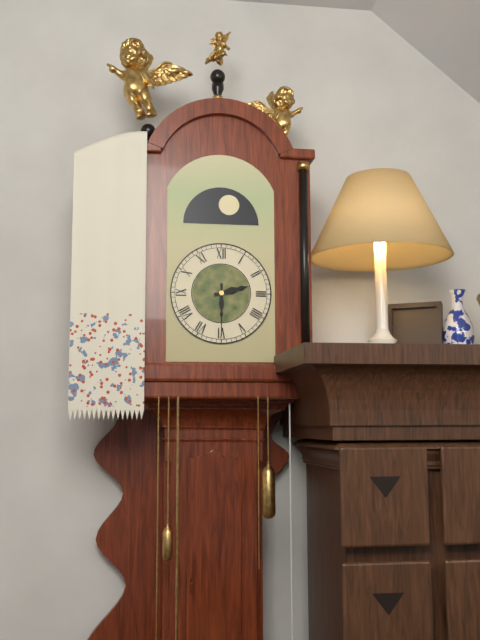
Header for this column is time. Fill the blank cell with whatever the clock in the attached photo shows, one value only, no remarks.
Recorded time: 2:30
